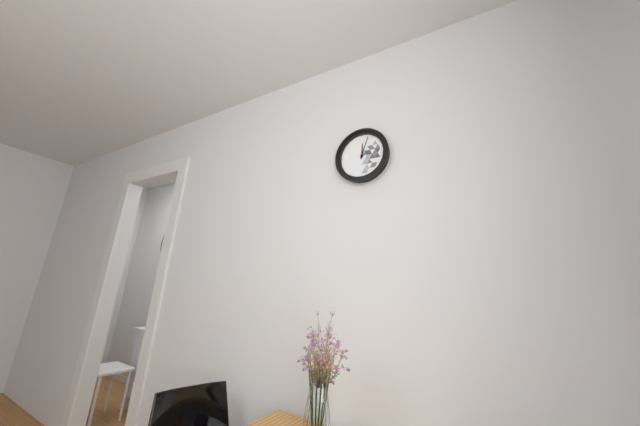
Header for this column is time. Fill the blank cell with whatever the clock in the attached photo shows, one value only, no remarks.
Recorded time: 12:03
